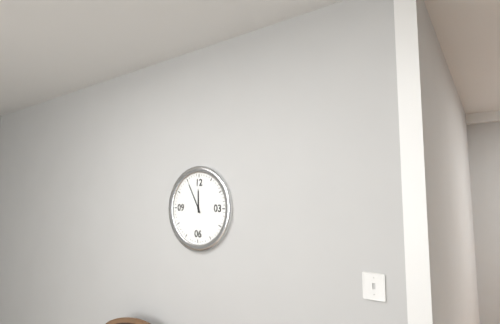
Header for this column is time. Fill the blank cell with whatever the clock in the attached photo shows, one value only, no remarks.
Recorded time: 11:55
